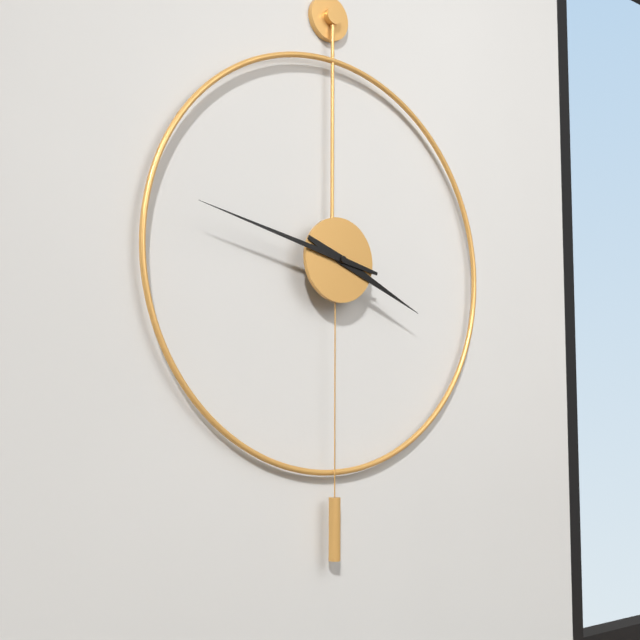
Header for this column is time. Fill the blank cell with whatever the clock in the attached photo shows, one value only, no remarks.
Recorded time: 3:47
